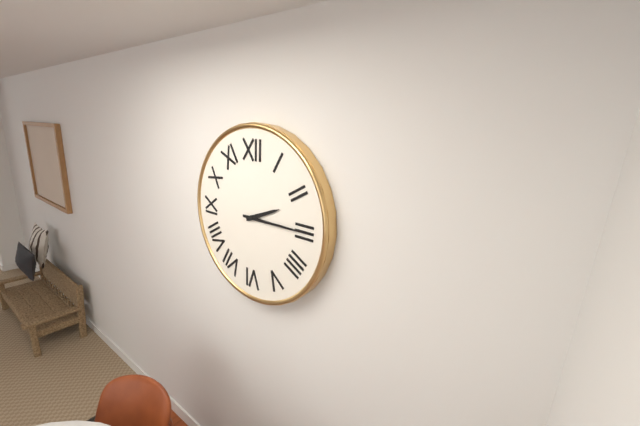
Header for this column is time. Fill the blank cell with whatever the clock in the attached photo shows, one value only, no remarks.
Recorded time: 2:15
